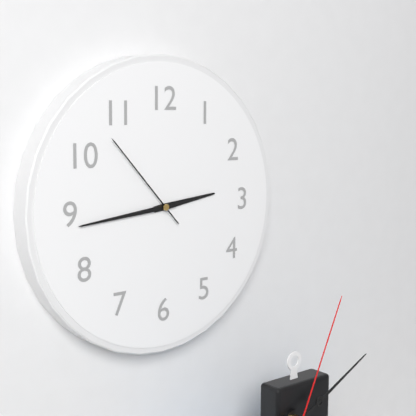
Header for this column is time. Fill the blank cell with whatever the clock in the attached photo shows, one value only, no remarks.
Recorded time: 2:44:53
